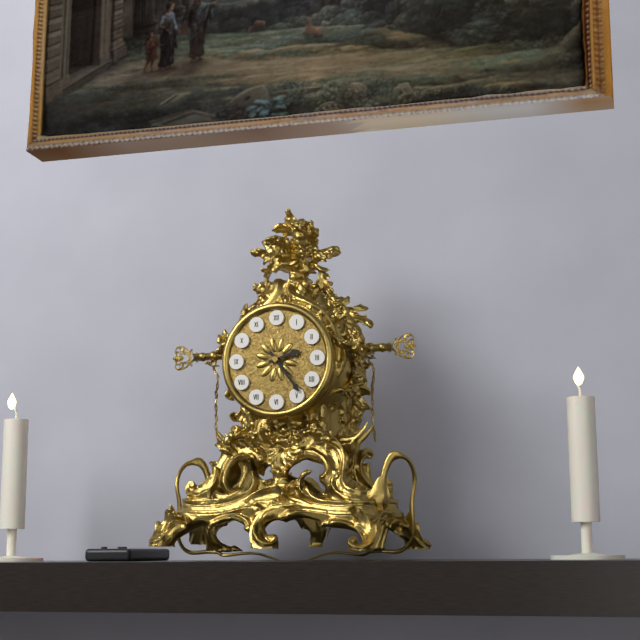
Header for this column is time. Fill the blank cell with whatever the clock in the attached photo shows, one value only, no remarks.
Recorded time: 2:24
